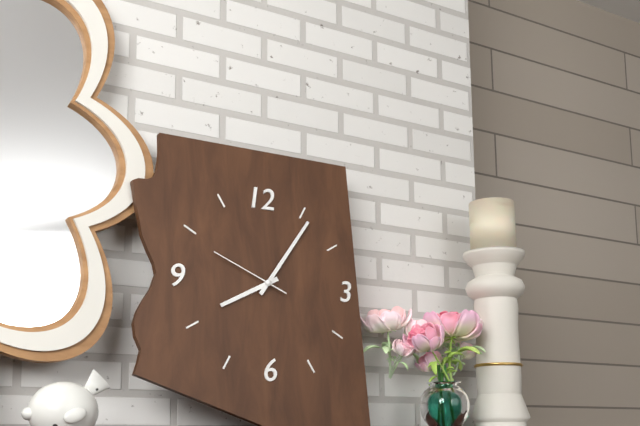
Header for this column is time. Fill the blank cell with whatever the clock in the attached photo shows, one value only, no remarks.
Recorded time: 8:06:49
